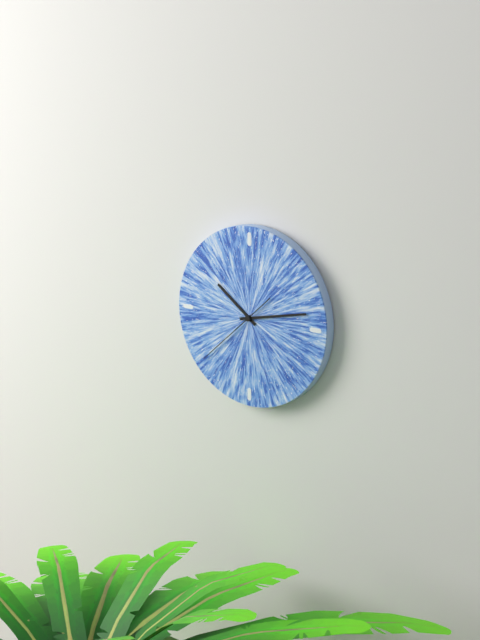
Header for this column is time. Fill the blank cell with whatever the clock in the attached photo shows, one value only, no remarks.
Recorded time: 10:13:38
